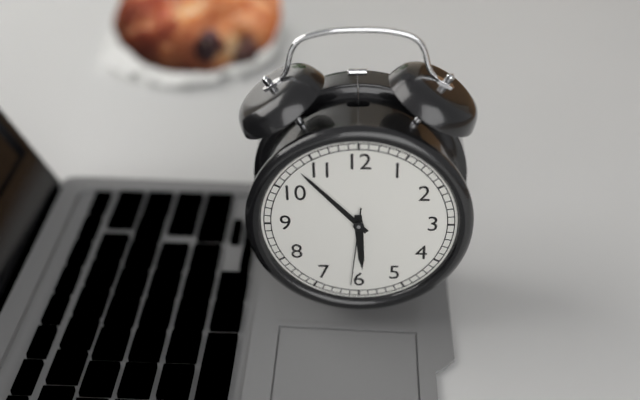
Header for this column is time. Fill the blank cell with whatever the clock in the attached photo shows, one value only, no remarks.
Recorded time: 5:53:31
